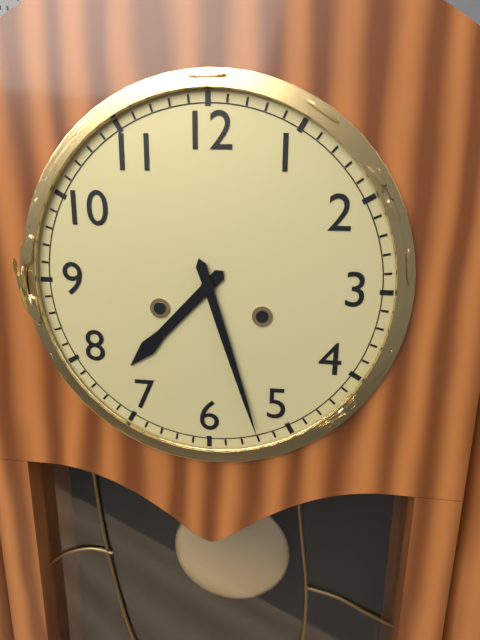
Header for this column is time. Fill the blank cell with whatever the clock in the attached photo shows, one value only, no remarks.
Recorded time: 7:27
